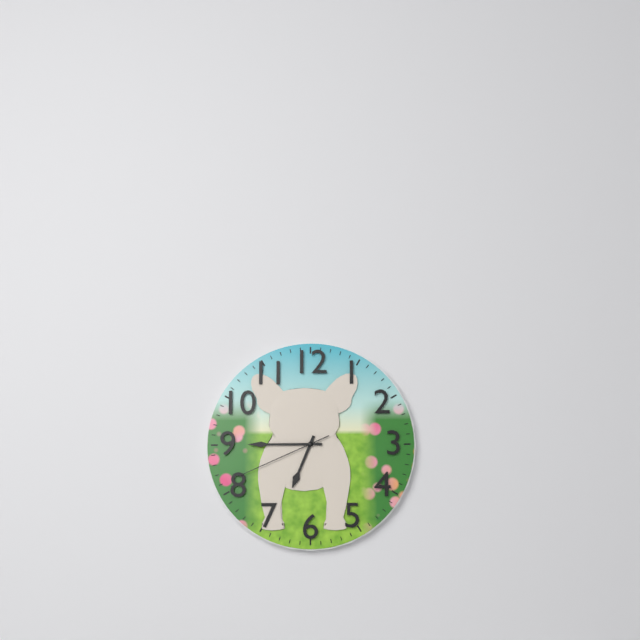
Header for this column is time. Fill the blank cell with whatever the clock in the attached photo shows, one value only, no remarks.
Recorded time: 6:45:41
